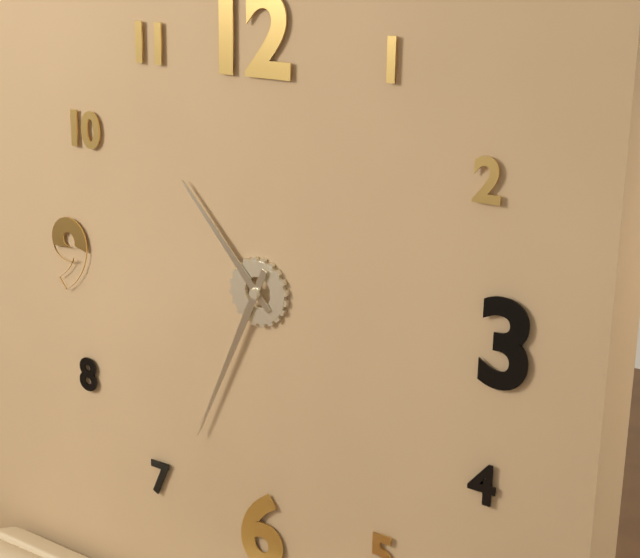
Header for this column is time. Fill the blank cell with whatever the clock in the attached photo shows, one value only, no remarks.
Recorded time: 10:34
